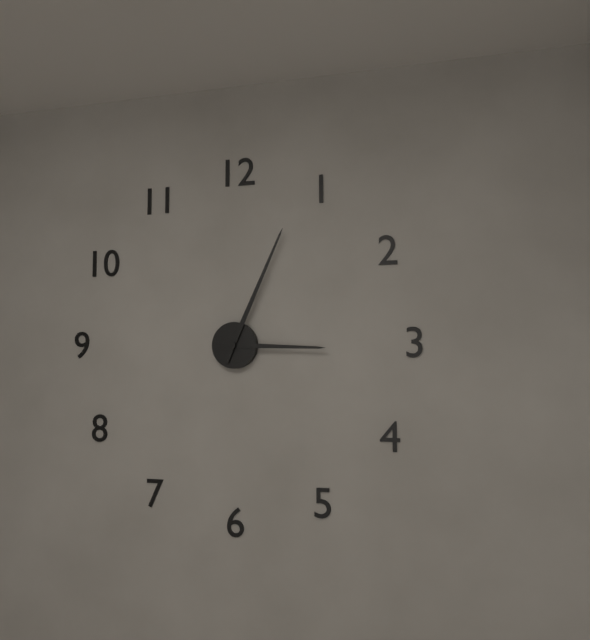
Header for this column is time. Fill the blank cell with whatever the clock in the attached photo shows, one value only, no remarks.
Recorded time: 3:04
